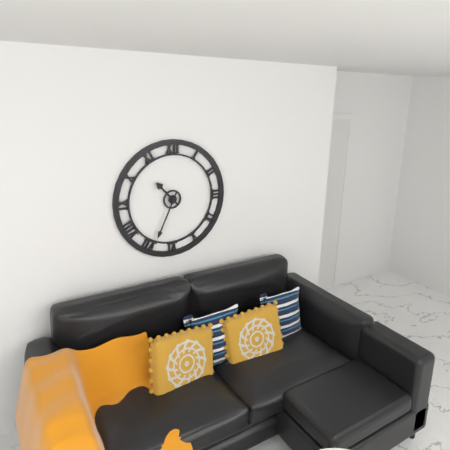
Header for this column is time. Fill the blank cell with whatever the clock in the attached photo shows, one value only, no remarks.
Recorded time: 10:34
